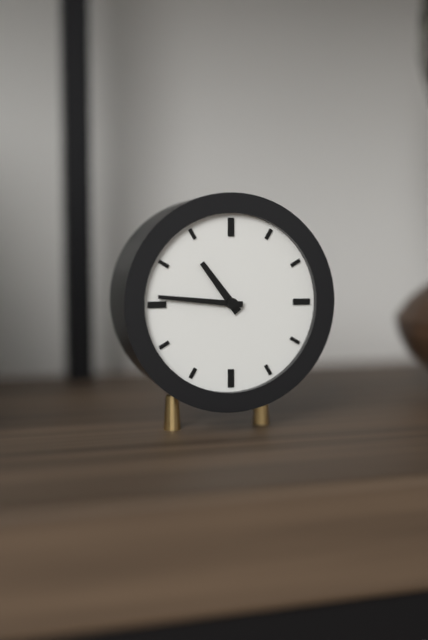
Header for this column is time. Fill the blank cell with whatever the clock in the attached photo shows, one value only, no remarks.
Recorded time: 10:46
